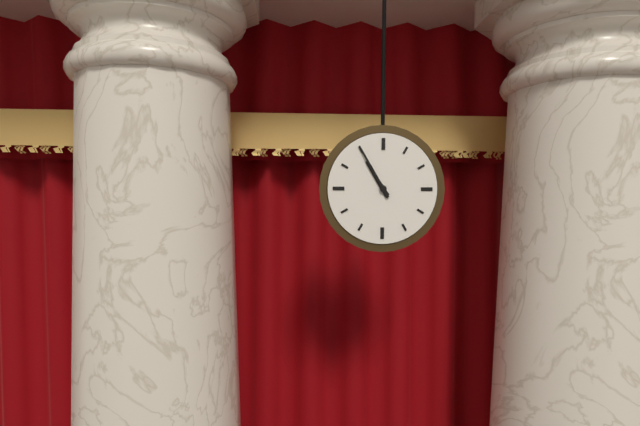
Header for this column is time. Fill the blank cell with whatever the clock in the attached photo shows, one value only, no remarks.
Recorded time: 10:55
